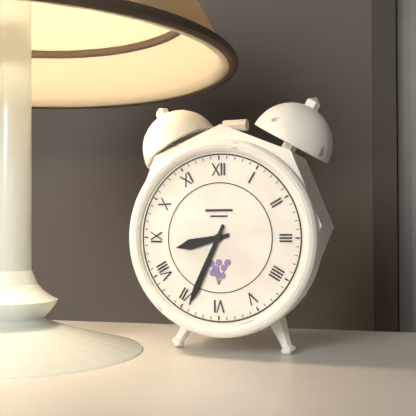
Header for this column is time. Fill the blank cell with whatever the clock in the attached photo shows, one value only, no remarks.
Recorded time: 8:34
